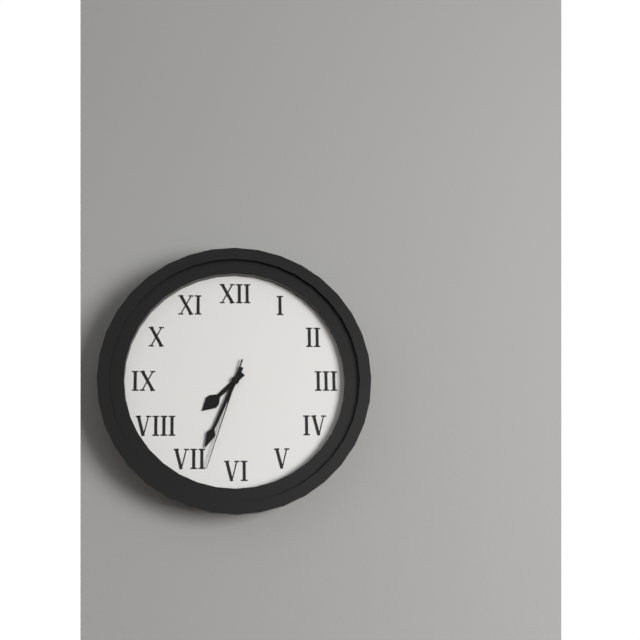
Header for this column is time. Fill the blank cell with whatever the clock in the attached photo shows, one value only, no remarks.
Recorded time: 7:34:33
